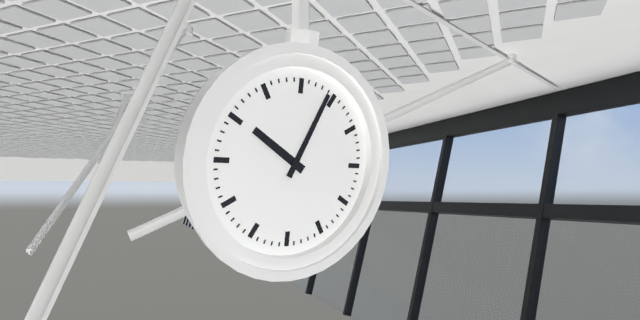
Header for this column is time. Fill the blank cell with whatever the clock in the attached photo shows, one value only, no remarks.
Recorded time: 10:04
